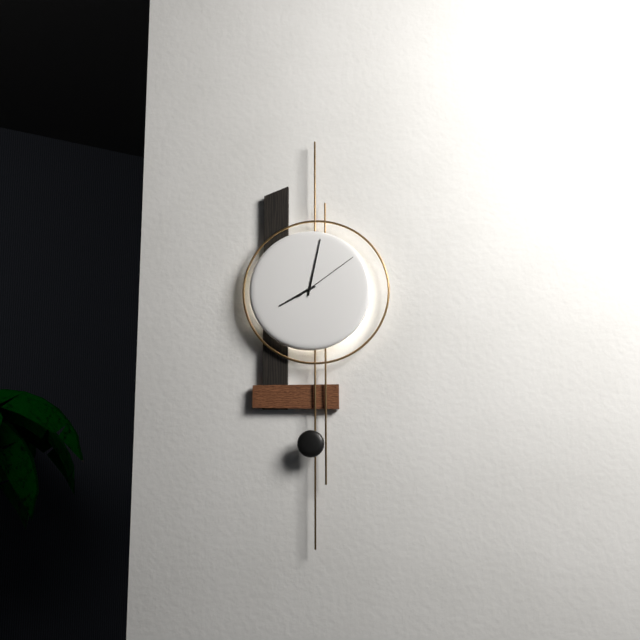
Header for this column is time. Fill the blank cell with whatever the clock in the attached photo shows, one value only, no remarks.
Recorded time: 8:02:09
